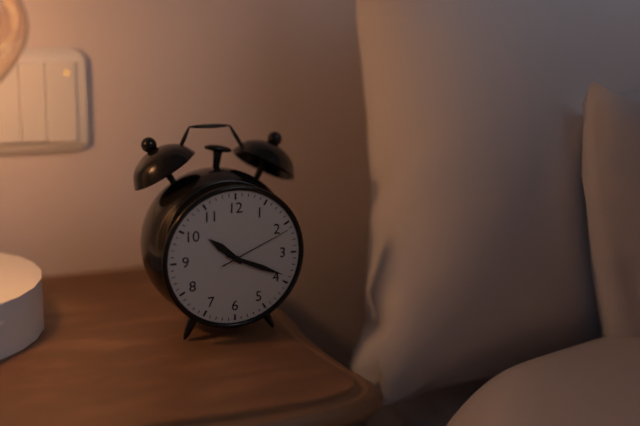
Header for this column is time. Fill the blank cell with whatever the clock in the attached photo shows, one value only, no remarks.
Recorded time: 10:19:11
